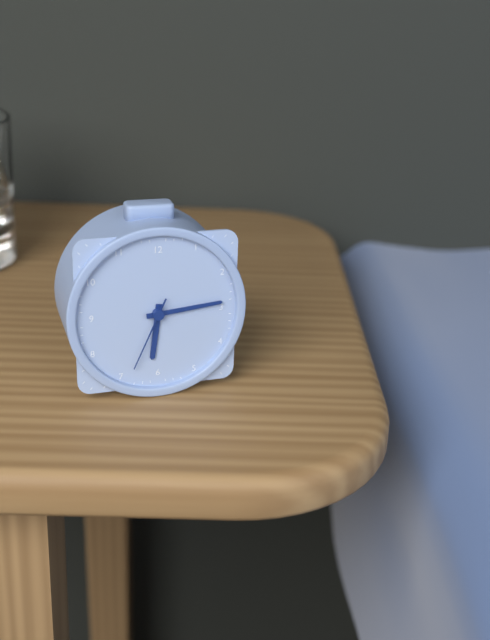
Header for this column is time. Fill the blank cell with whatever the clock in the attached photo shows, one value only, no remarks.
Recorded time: 6:14:34
